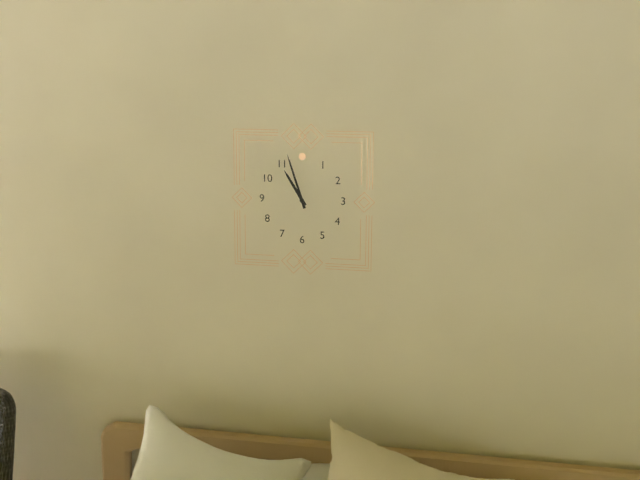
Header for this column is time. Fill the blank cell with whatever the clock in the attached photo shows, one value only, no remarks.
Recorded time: 10:57
